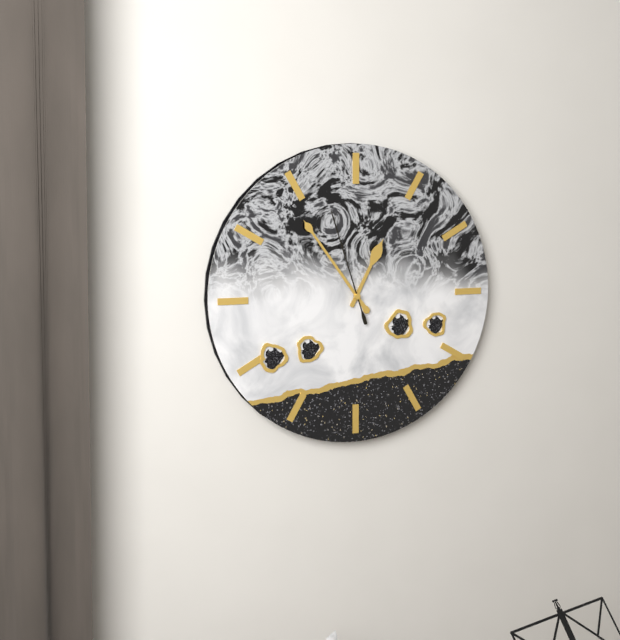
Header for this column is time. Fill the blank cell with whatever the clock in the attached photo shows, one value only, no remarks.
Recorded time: 12:54:57
